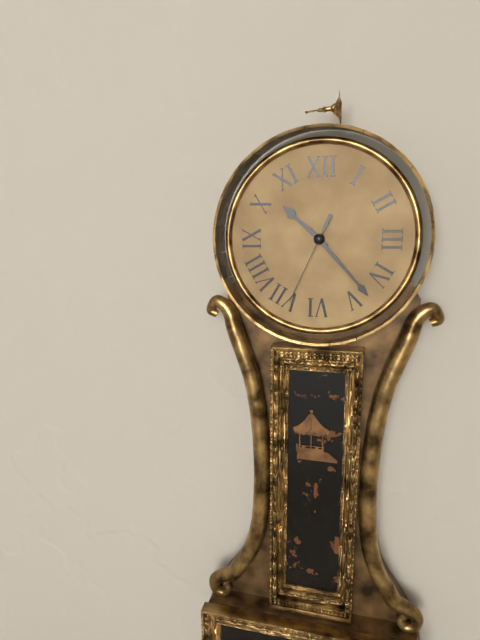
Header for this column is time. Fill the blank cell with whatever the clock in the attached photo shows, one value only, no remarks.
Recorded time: 10:23:34
